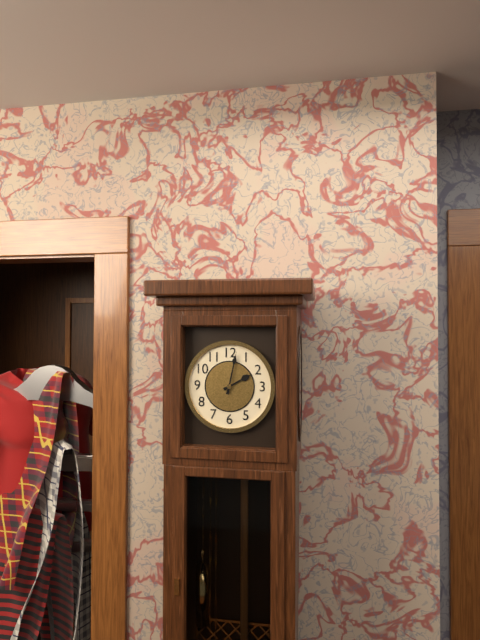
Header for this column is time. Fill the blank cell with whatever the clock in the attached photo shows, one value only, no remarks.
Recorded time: 2:02
